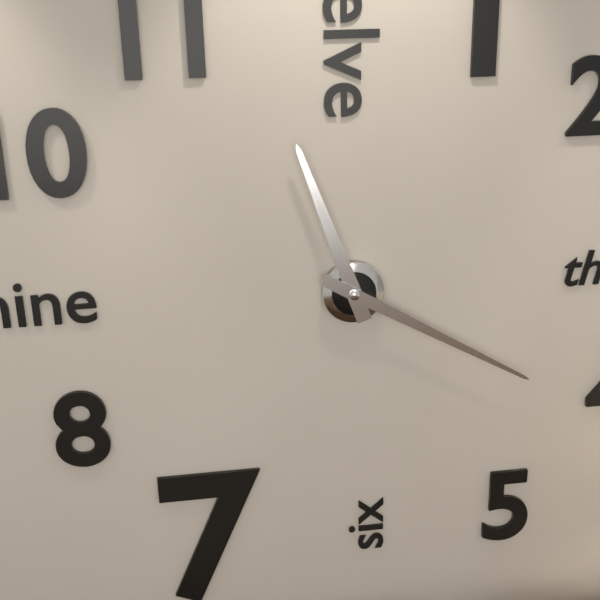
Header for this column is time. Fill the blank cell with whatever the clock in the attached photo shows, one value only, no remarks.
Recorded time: 11:20
